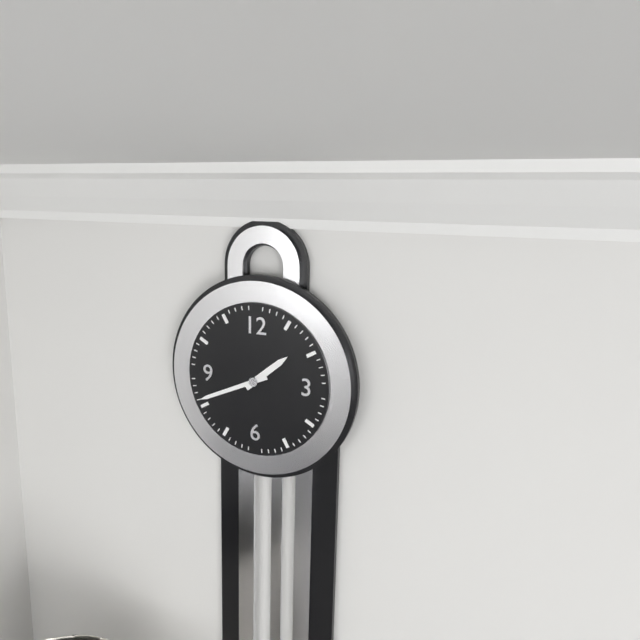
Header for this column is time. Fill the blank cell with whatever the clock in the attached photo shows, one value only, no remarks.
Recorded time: 1:41
